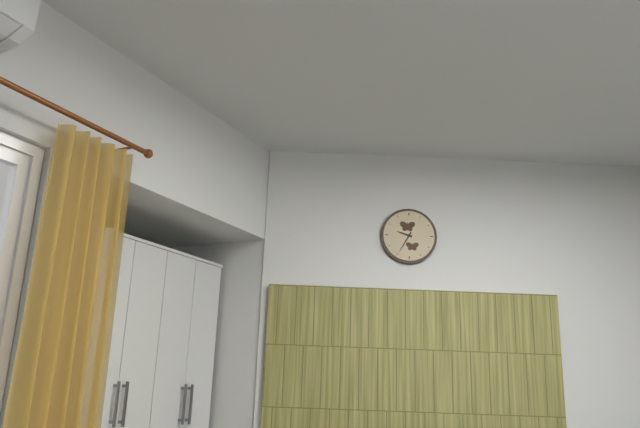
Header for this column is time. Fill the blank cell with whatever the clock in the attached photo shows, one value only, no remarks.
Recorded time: 9:35
